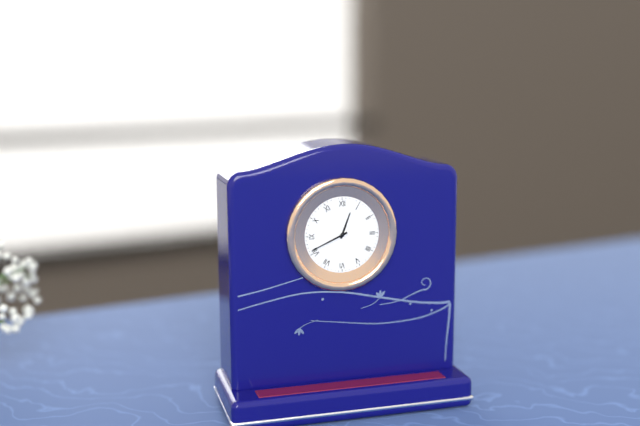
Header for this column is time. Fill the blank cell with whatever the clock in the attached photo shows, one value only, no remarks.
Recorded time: 12:41
